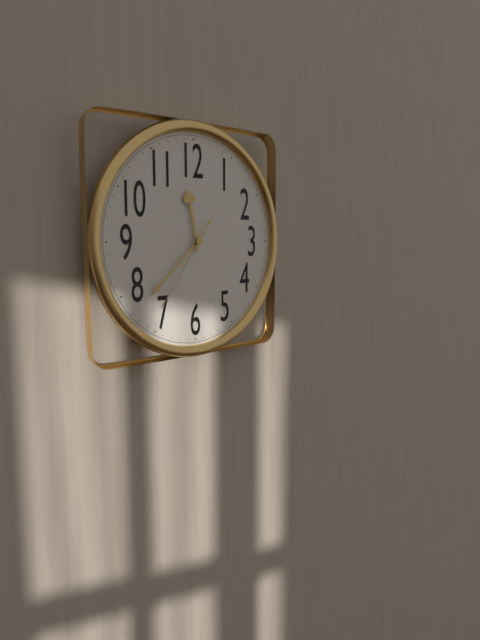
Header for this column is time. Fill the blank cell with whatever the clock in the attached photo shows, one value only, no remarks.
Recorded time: 11:38:36
